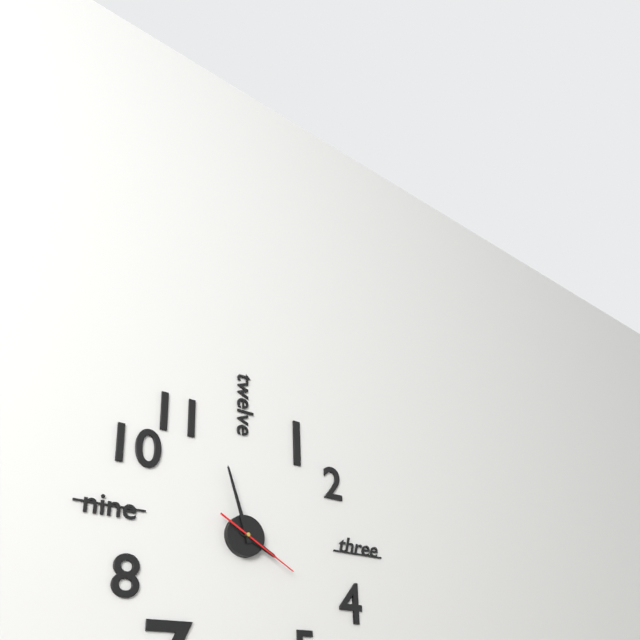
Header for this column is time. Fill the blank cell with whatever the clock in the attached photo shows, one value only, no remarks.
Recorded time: 3:57:20
